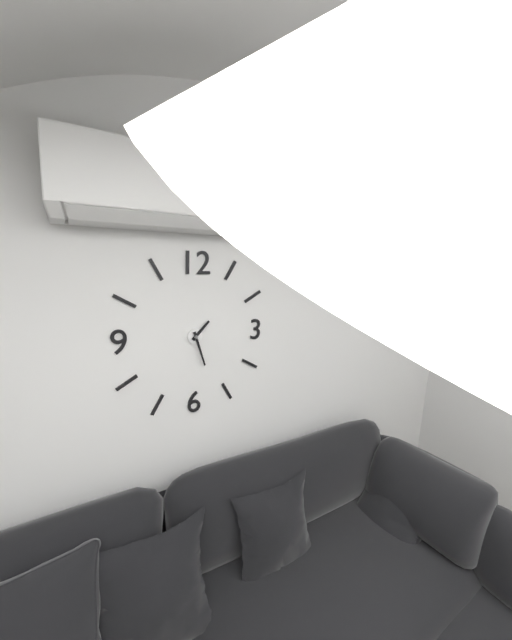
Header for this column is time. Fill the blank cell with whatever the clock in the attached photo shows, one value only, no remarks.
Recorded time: 1:27
